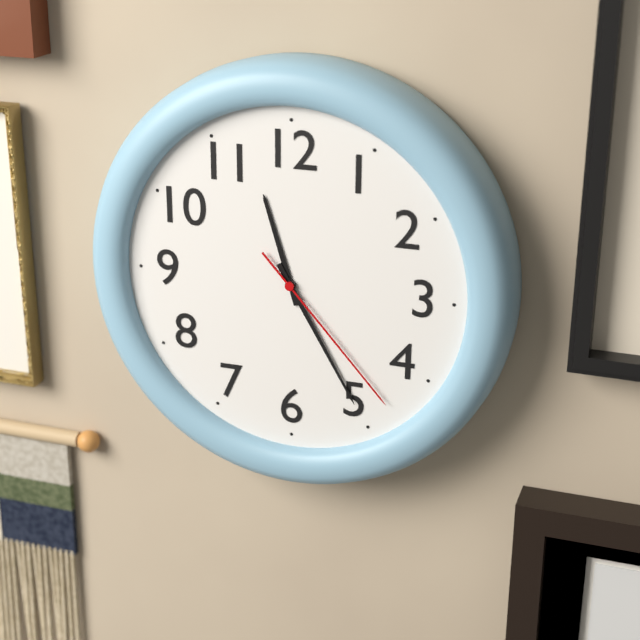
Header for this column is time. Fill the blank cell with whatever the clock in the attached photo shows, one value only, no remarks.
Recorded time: 11:25:23
